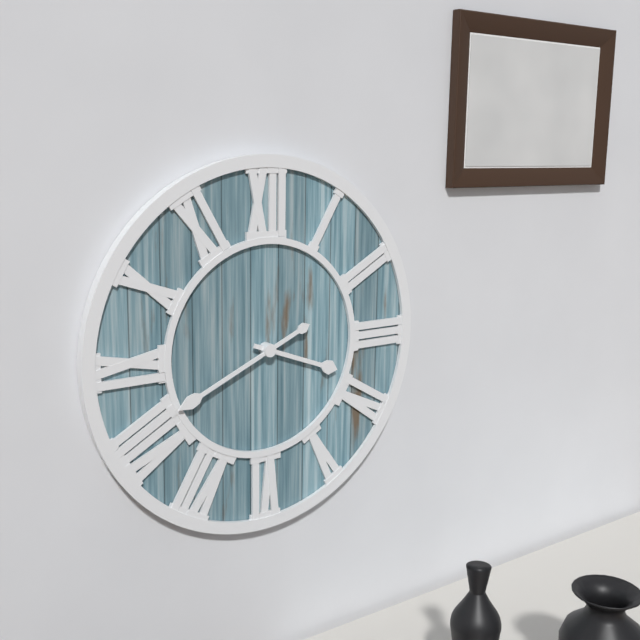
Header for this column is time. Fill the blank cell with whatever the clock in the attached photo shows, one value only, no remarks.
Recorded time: 3:41
